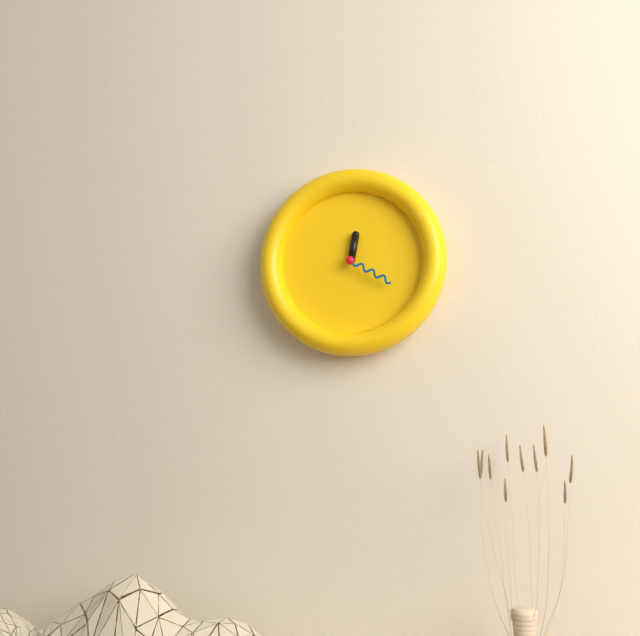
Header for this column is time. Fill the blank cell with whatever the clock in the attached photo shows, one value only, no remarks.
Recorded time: 12:20
